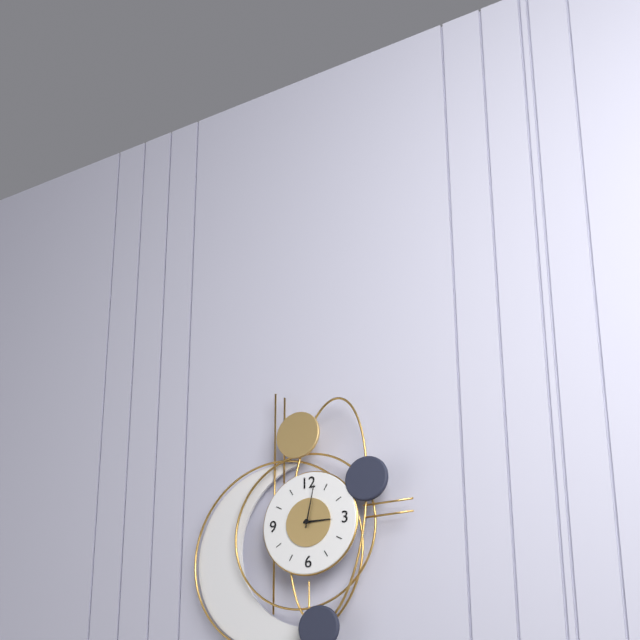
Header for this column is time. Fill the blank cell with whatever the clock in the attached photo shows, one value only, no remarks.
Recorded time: 3:02
